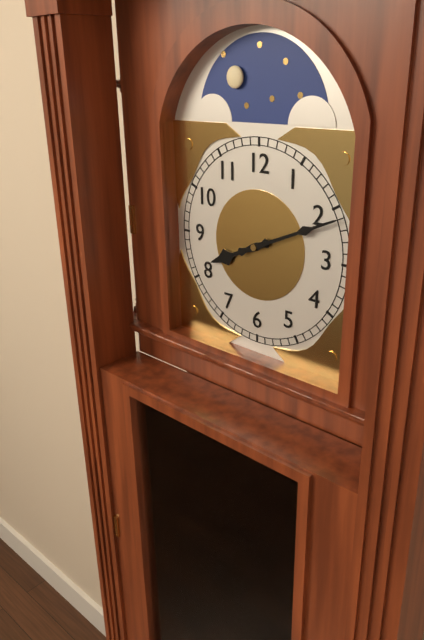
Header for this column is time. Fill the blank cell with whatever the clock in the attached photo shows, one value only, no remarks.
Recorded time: 8:11
